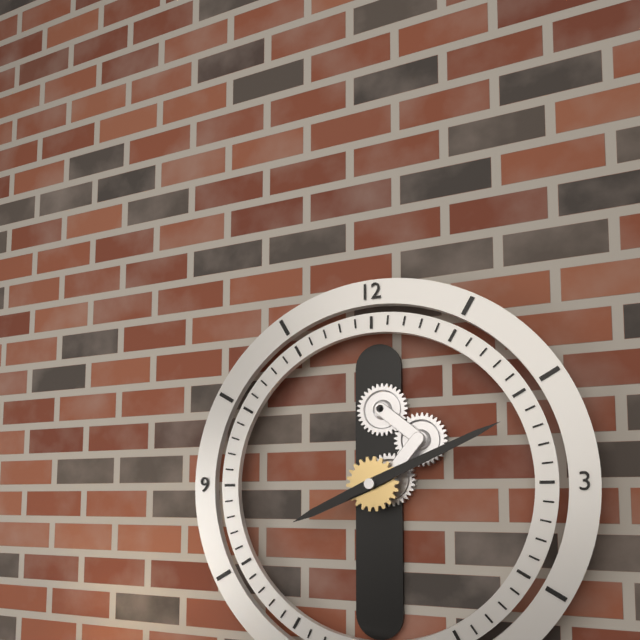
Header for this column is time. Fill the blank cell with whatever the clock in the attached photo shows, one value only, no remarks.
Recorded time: 8:11
